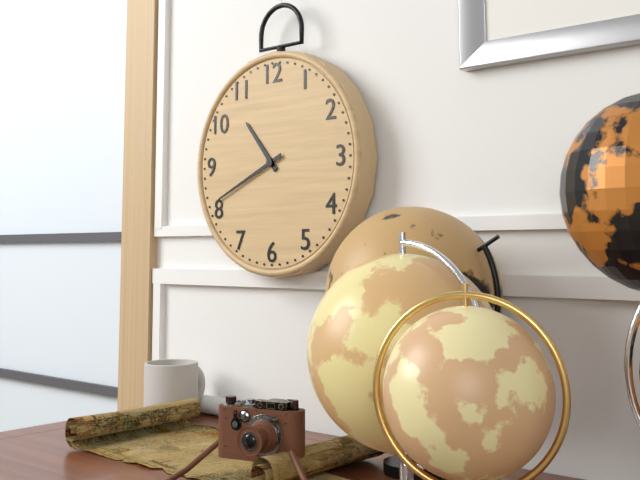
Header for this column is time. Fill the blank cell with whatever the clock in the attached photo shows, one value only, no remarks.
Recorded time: 10:41
